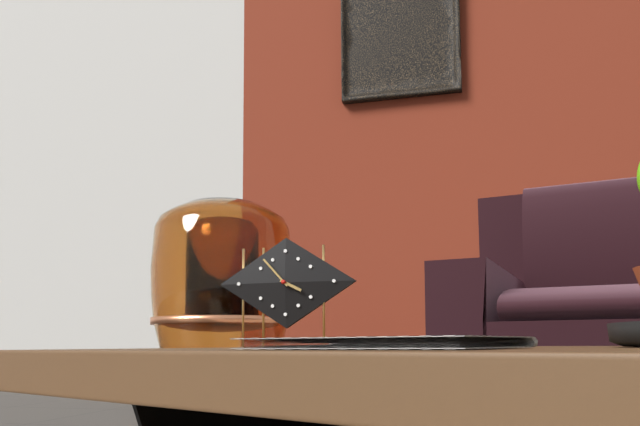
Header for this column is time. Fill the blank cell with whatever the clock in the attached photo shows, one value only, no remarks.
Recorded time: 3:53
